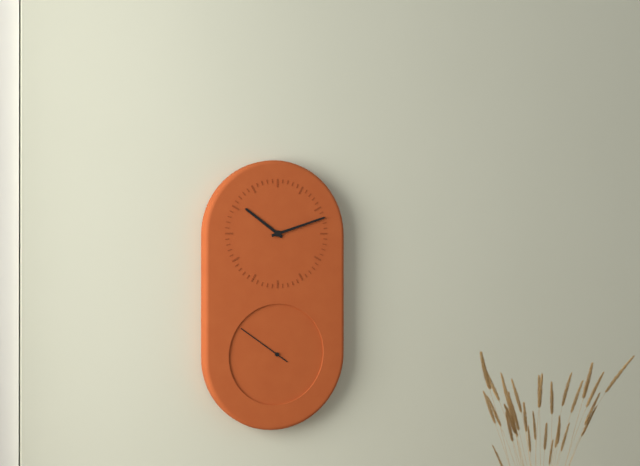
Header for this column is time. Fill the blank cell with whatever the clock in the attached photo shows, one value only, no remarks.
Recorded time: 10:12
